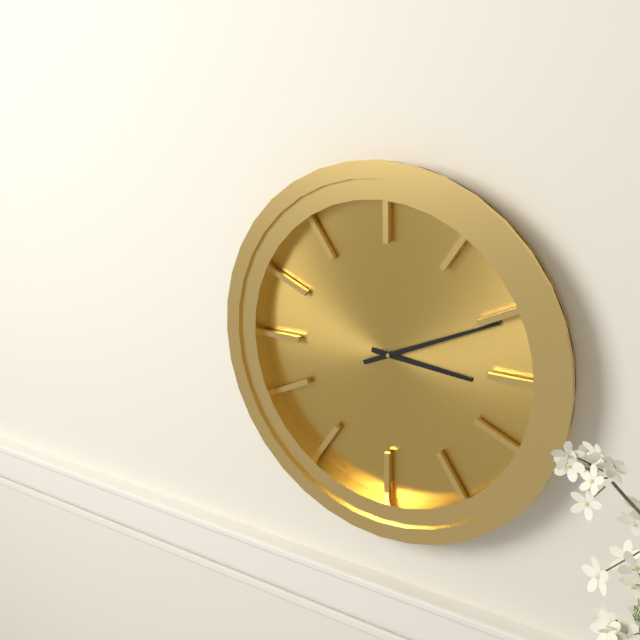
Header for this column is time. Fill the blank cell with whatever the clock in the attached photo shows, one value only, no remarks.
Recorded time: 3:11
